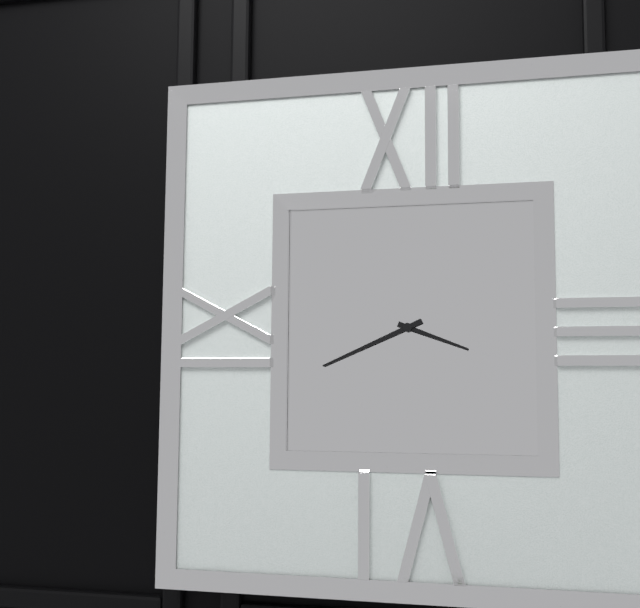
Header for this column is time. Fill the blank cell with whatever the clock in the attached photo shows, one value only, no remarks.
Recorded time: 3:41
